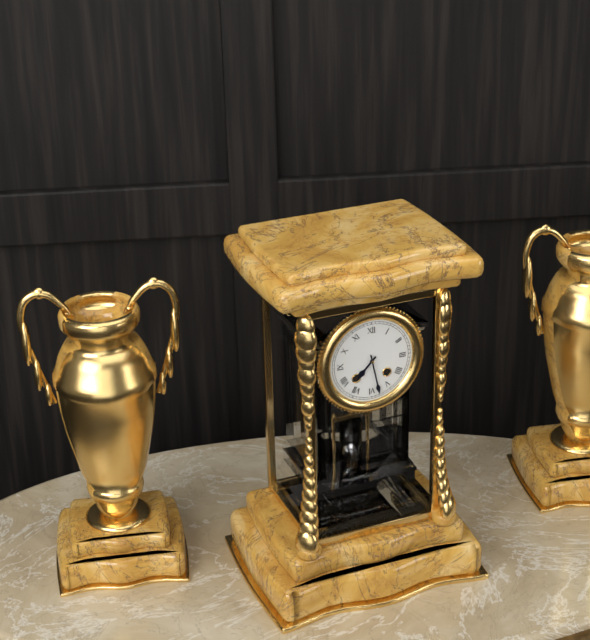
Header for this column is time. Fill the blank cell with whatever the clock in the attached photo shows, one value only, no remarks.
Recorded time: 7:28
